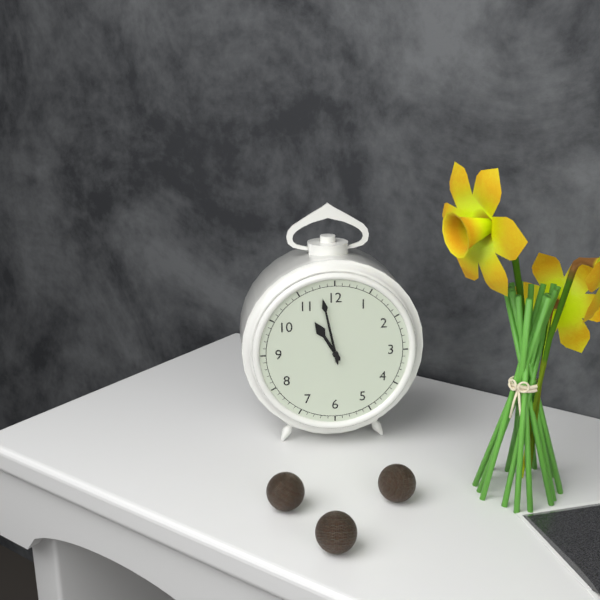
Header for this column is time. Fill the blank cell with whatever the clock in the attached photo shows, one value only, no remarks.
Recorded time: 10:58
